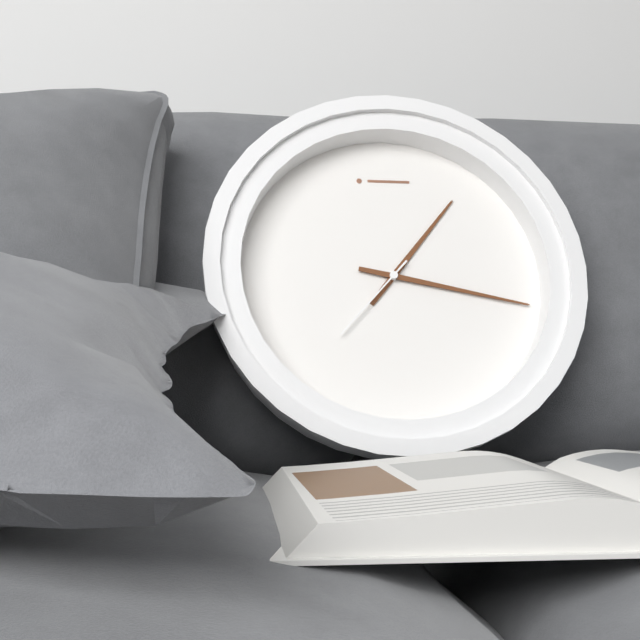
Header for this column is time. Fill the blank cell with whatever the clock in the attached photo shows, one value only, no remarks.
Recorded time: 1:17:37
